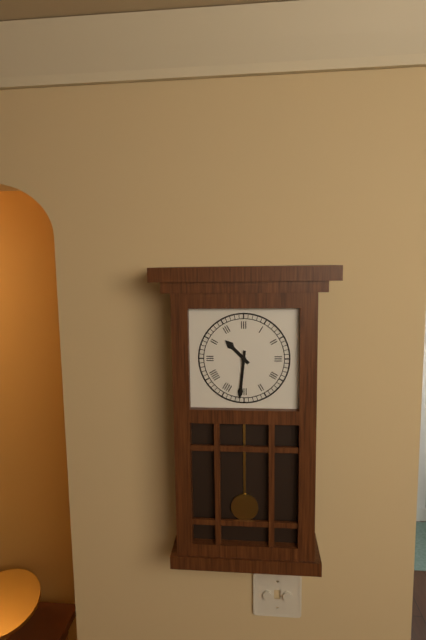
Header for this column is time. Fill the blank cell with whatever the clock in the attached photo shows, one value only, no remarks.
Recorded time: 10:31
